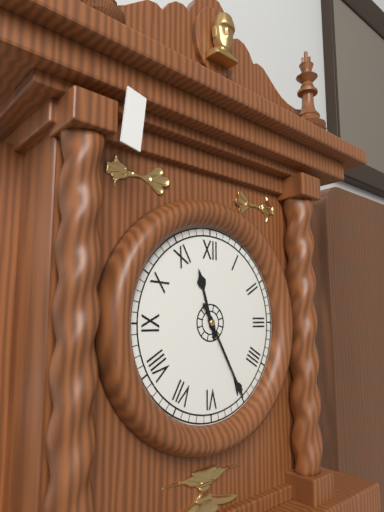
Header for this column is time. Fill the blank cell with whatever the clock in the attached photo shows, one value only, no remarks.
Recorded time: 11:25
